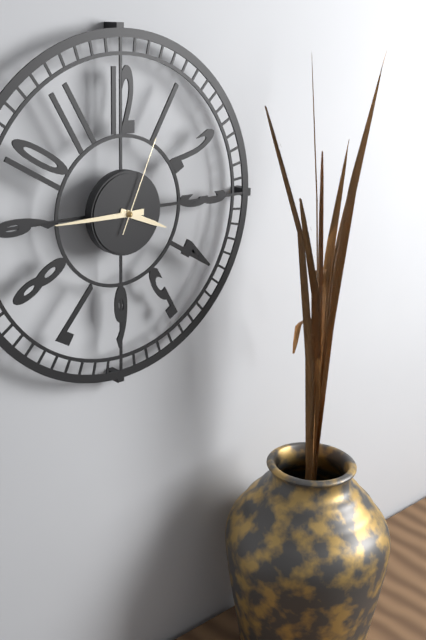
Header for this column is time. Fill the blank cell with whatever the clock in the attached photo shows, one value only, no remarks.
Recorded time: 3:45:04
